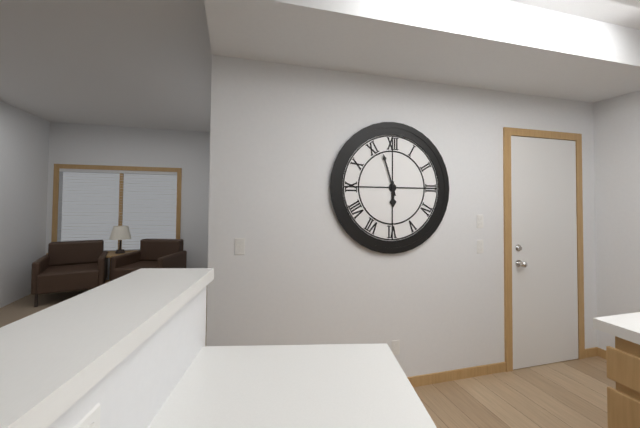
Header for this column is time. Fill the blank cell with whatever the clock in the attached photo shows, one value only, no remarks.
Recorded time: 5:57
